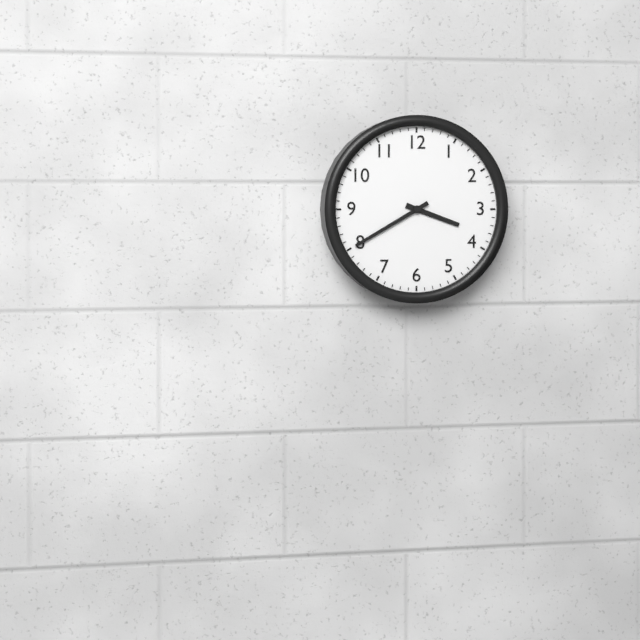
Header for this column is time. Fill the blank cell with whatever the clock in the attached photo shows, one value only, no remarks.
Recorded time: 3:40
